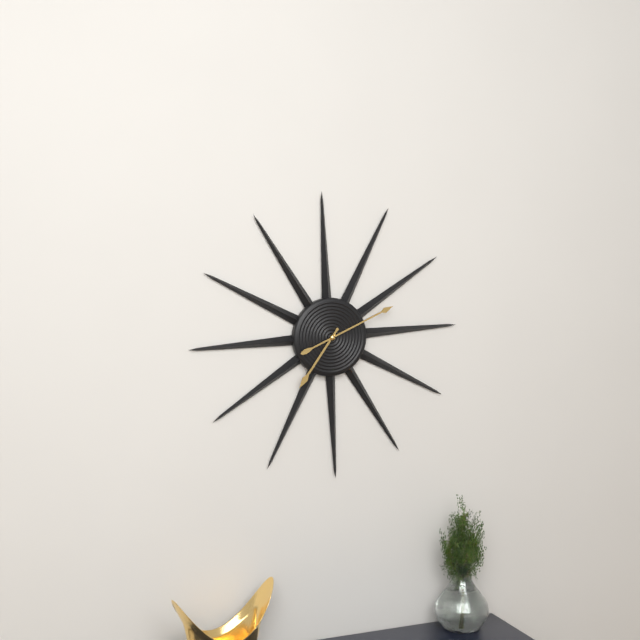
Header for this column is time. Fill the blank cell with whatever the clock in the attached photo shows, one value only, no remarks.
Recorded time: 7:11
